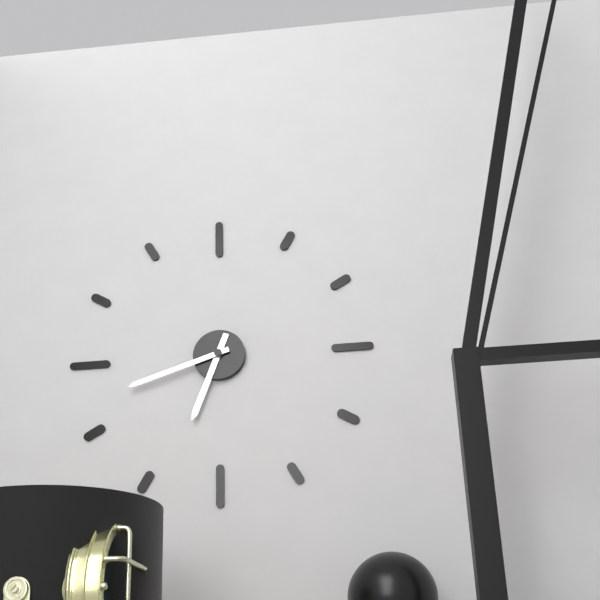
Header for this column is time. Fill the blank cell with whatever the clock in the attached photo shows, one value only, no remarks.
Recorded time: 6:42
